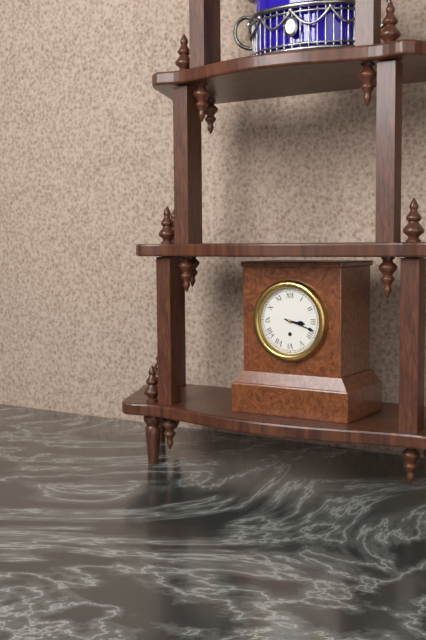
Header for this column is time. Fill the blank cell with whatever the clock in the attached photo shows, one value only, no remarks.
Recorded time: 3:18
